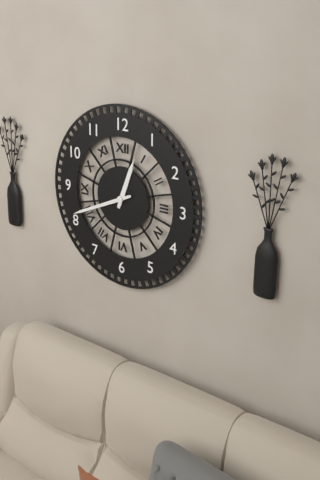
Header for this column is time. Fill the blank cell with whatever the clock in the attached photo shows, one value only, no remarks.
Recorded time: 12:41
